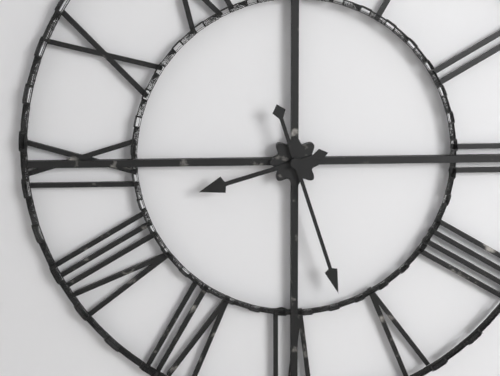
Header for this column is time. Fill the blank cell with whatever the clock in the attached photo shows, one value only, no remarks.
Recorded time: 8:27
